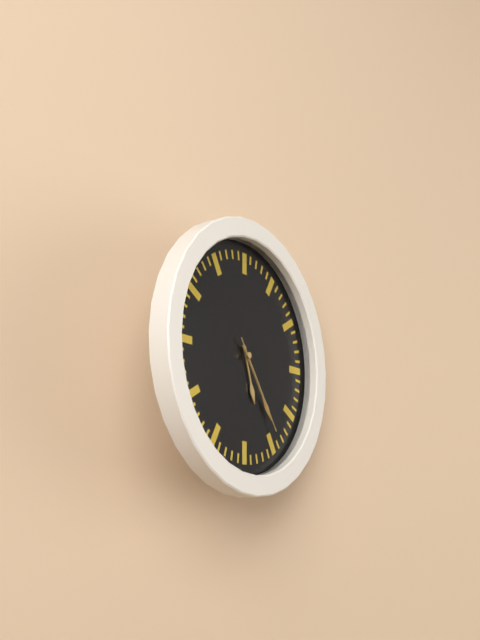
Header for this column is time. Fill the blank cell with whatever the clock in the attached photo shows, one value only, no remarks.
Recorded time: 5:24:24
